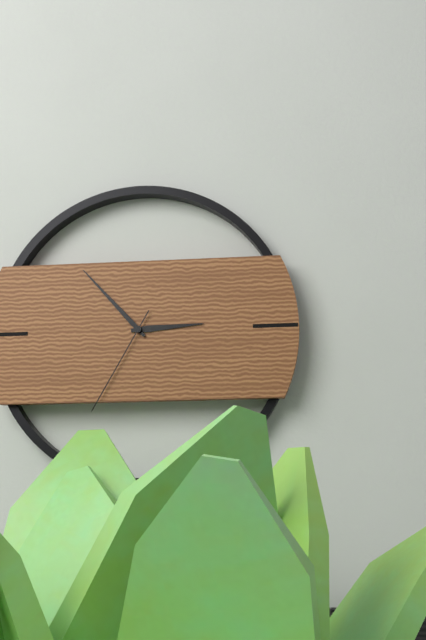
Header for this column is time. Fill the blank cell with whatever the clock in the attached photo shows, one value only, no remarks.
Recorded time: 2:53:35
